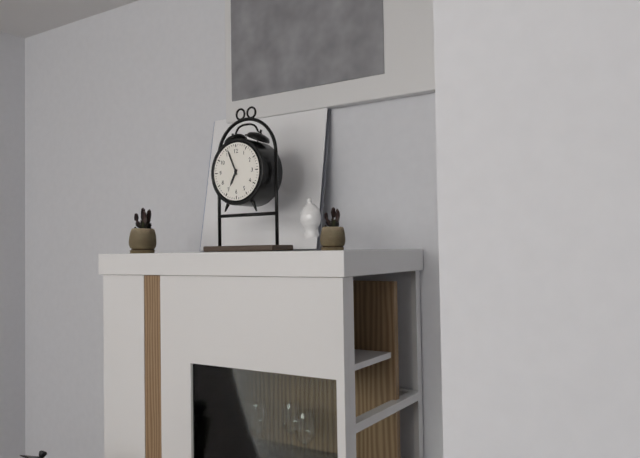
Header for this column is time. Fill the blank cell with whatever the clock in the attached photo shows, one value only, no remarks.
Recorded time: 6:56
